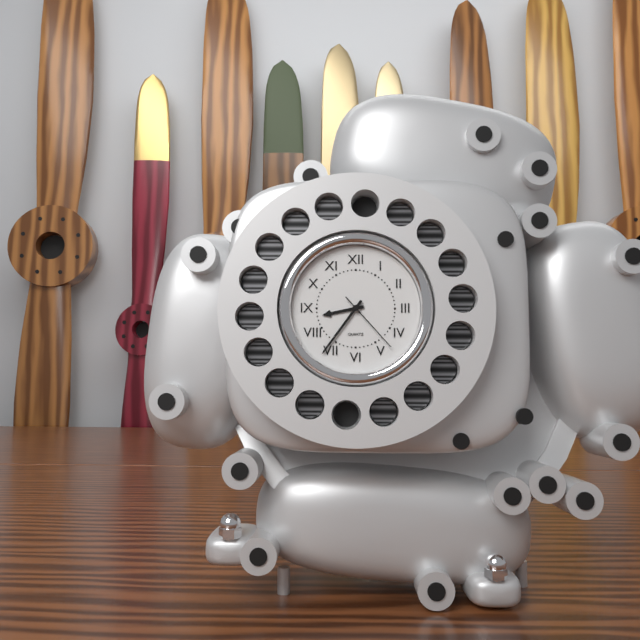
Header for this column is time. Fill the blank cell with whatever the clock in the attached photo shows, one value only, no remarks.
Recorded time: 8:36:23
